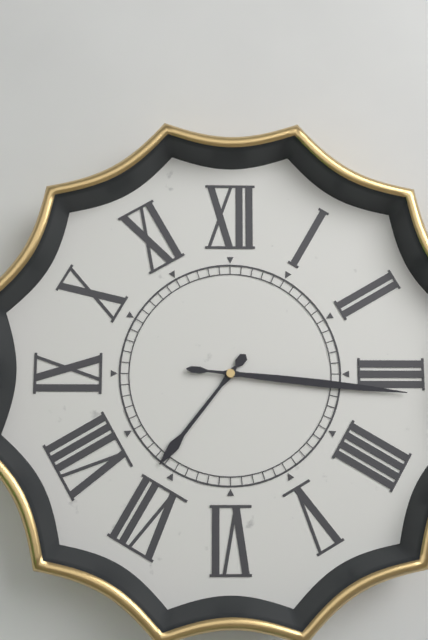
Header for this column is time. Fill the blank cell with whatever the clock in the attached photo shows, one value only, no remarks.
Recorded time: 7:16
